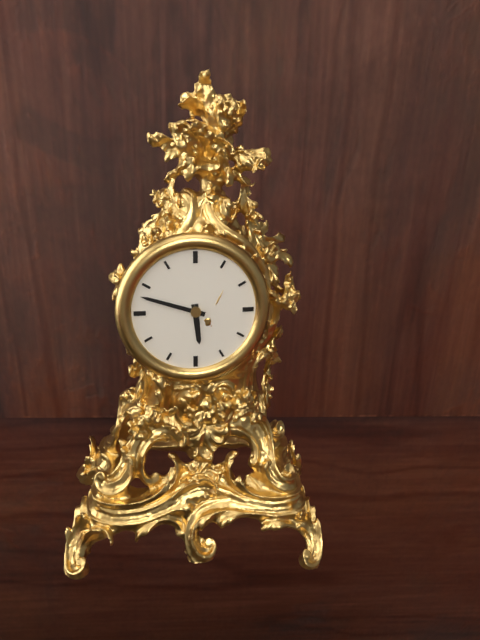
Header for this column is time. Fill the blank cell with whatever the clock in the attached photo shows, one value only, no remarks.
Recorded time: 5:48
